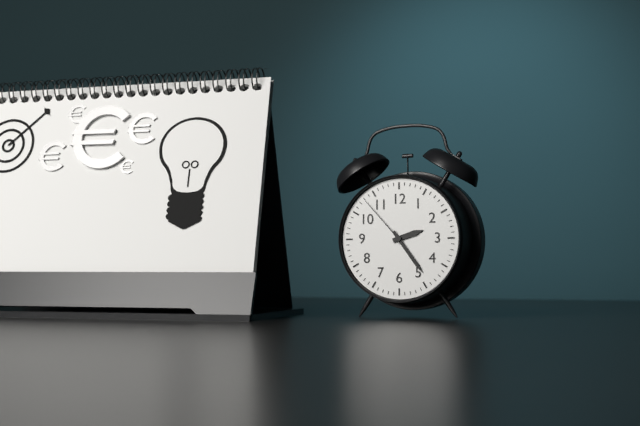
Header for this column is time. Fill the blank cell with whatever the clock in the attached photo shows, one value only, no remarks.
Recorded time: 2:24:53
